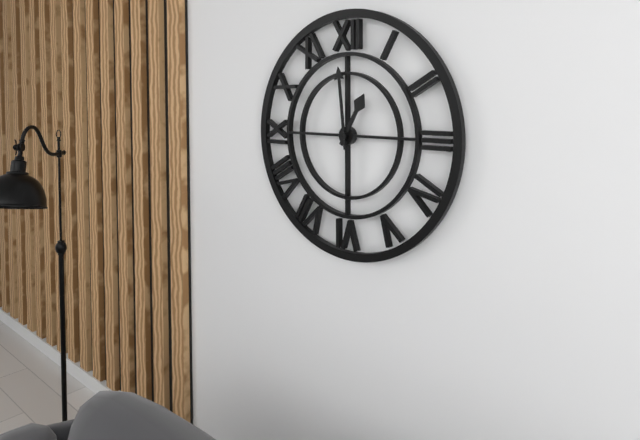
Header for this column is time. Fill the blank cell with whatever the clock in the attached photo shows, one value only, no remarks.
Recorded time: 12:59
